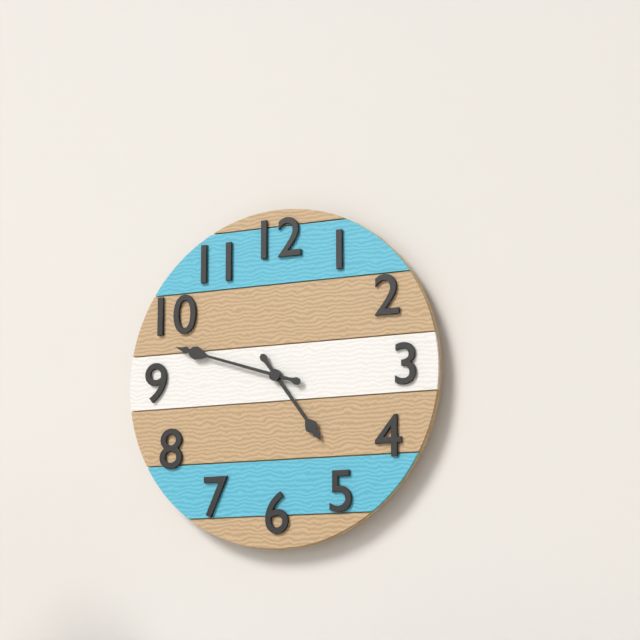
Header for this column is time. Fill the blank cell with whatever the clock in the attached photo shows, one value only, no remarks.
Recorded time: 4:48
